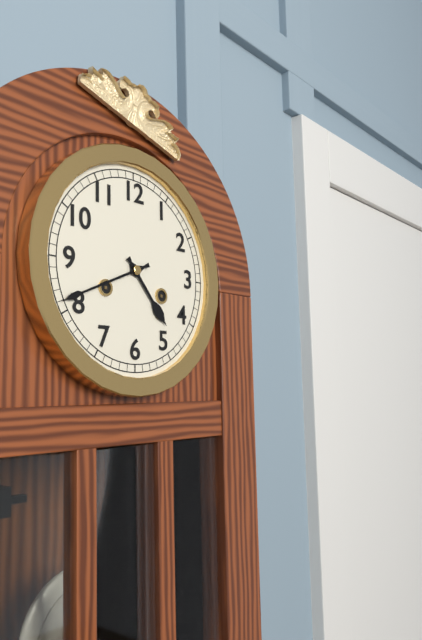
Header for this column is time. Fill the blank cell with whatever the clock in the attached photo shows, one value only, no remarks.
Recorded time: 4:41
